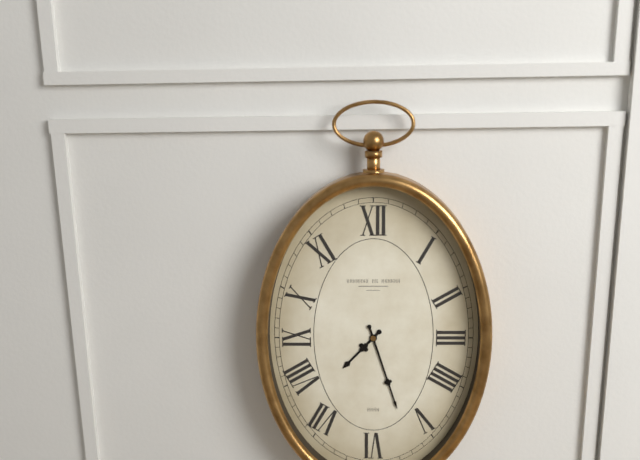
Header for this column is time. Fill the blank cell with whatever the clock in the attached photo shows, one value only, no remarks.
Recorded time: 7:27
